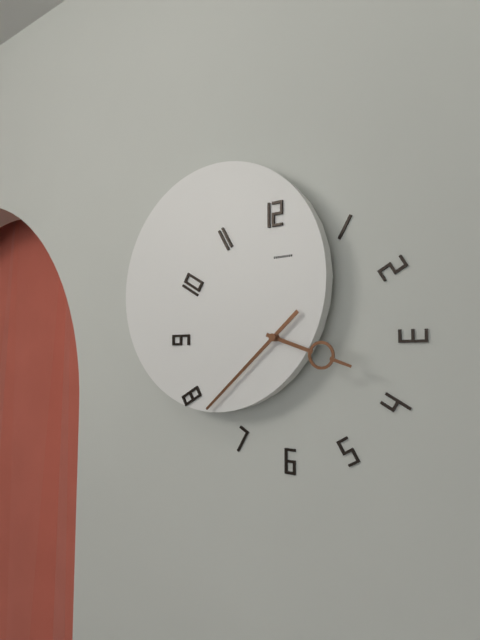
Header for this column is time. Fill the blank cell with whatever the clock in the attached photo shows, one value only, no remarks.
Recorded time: 3:38
